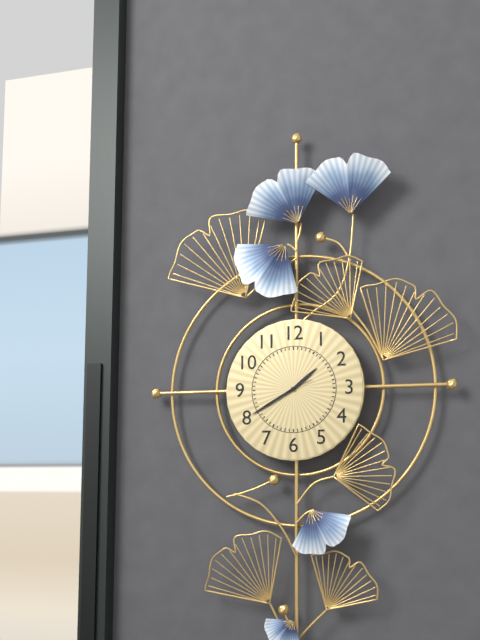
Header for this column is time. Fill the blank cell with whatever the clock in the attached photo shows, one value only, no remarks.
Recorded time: 1:40
